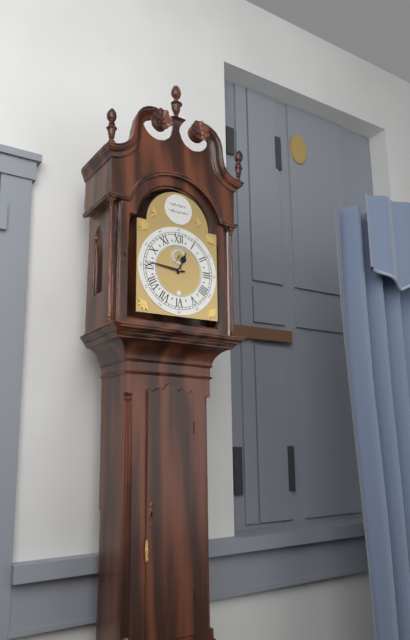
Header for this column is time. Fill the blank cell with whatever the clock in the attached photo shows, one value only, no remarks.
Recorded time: 12:46
